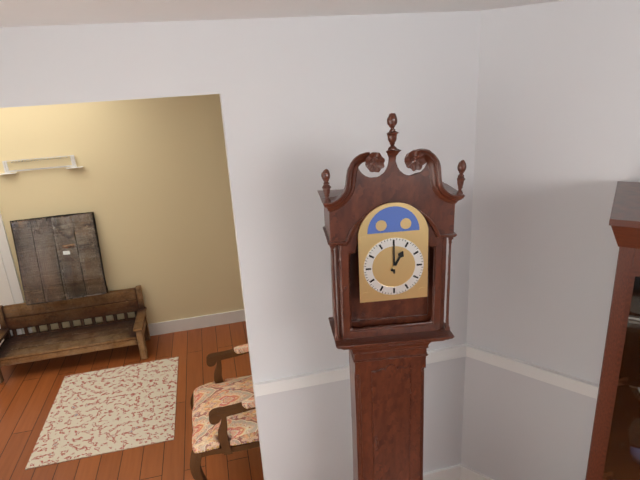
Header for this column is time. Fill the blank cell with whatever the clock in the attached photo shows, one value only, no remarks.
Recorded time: 1:00
